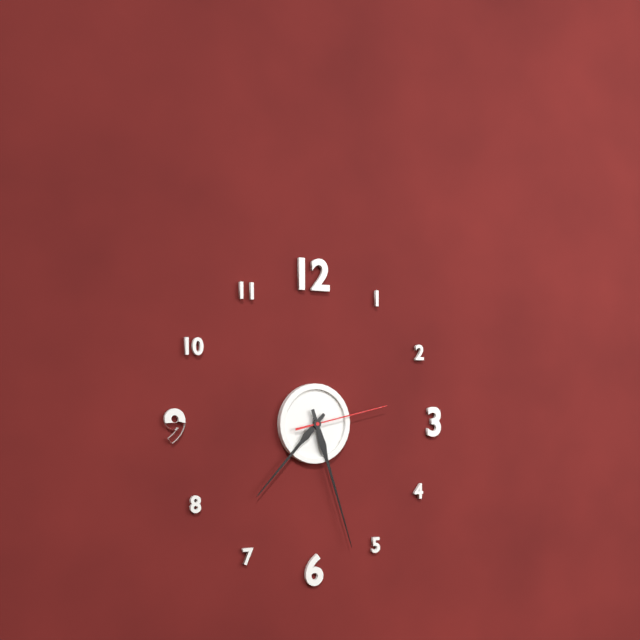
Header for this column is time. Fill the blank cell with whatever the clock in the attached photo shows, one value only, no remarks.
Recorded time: 7:27:13
